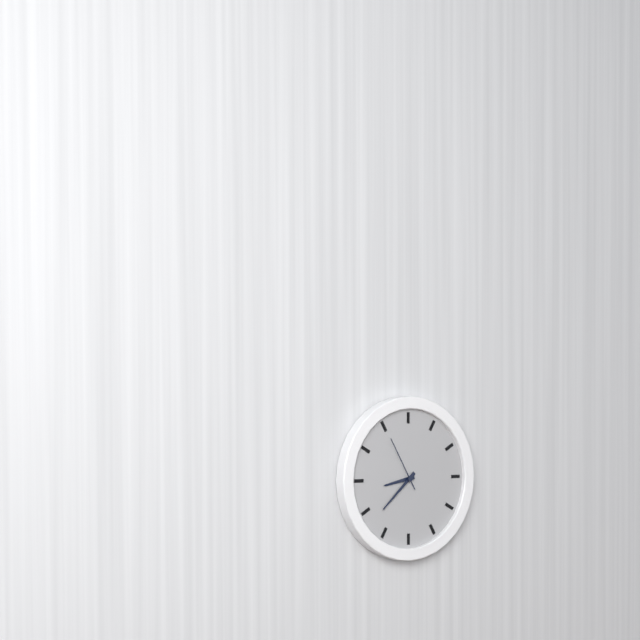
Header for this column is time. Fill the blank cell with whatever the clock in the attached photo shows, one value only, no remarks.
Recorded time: 8:38:55
